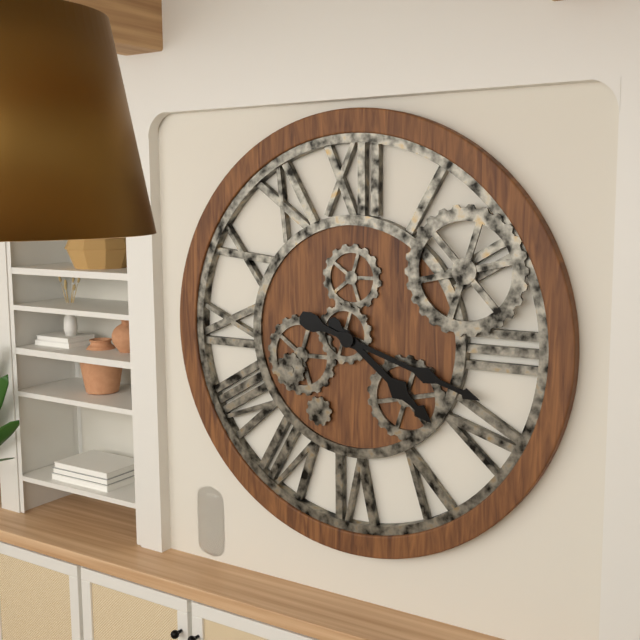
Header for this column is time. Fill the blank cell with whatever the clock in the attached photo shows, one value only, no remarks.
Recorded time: 4:18
